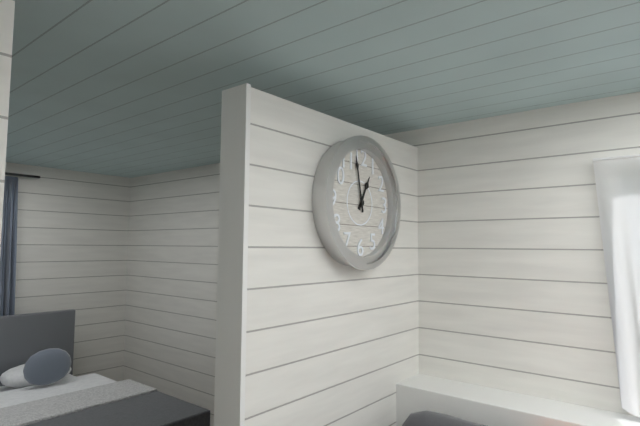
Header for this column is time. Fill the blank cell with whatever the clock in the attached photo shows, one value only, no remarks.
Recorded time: 12:58
